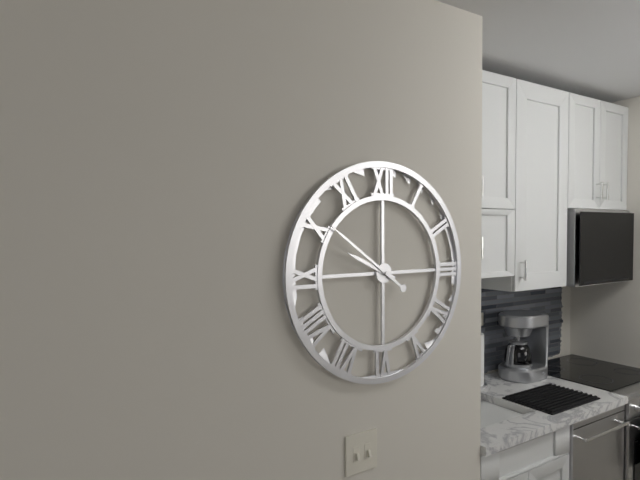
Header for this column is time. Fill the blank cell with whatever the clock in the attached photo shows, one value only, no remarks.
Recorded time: 9:51
